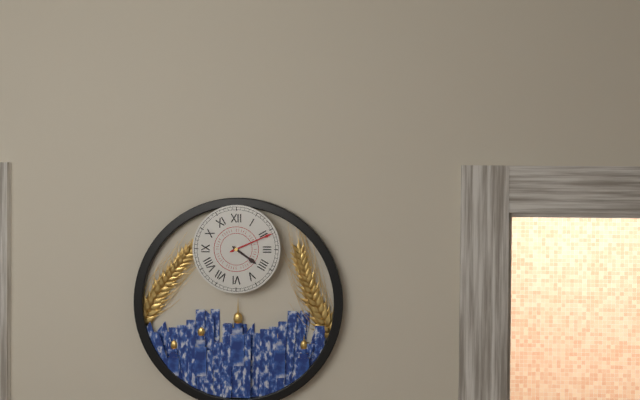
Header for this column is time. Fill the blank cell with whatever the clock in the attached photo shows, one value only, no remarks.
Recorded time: 4:11
